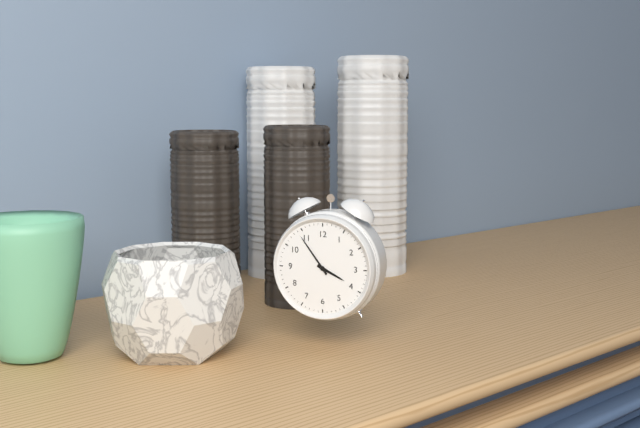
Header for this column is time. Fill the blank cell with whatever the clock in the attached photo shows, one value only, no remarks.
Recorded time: 3:54
